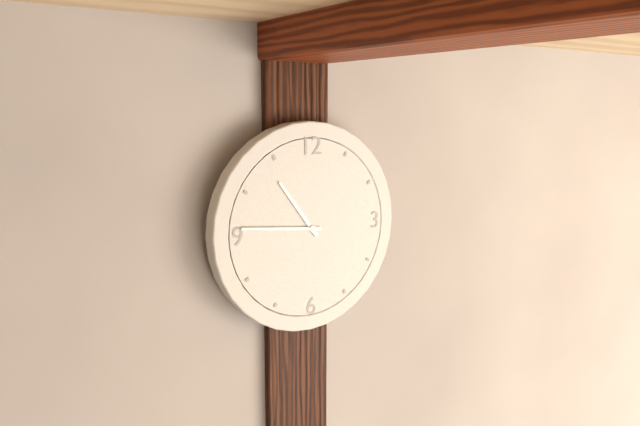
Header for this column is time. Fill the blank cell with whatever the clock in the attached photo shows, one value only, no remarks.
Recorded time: 10:46
